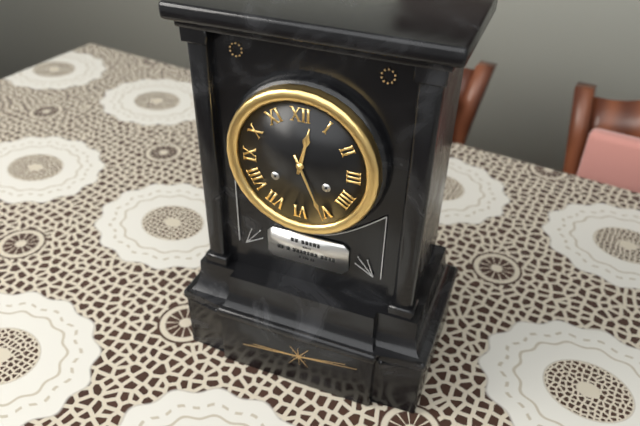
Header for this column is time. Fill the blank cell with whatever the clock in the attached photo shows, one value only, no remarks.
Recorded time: 12:26
